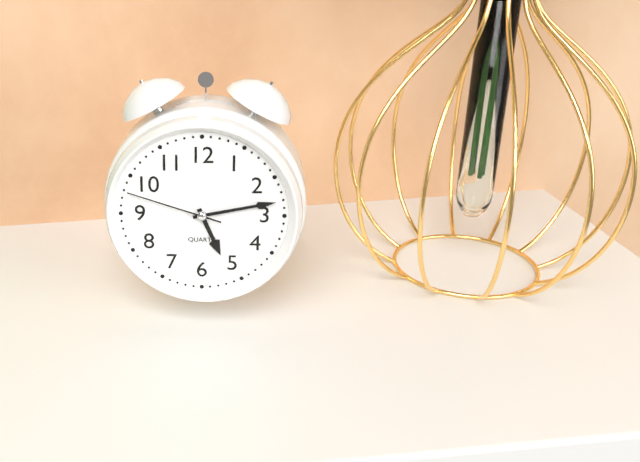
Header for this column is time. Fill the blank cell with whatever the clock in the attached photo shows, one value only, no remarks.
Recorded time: 5:13:48
